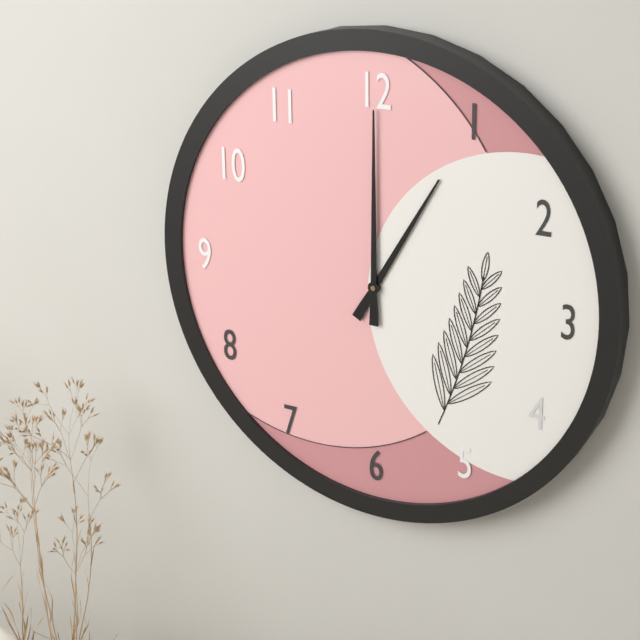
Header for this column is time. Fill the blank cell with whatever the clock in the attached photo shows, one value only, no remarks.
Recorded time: 1:00
